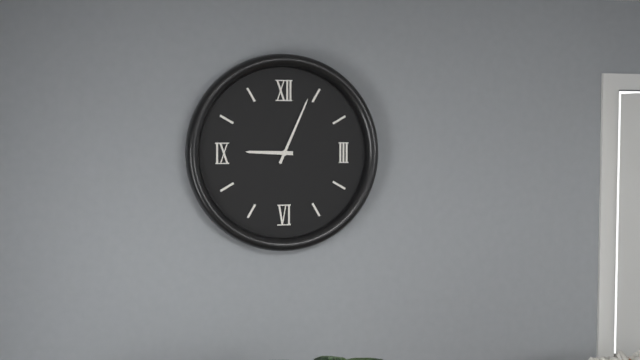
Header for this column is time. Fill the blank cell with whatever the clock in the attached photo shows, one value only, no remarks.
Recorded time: 9:04
